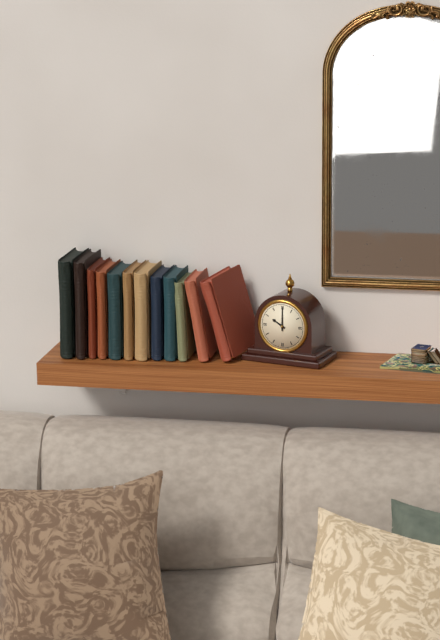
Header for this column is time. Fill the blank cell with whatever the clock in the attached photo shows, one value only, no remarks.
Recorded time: 10:00
